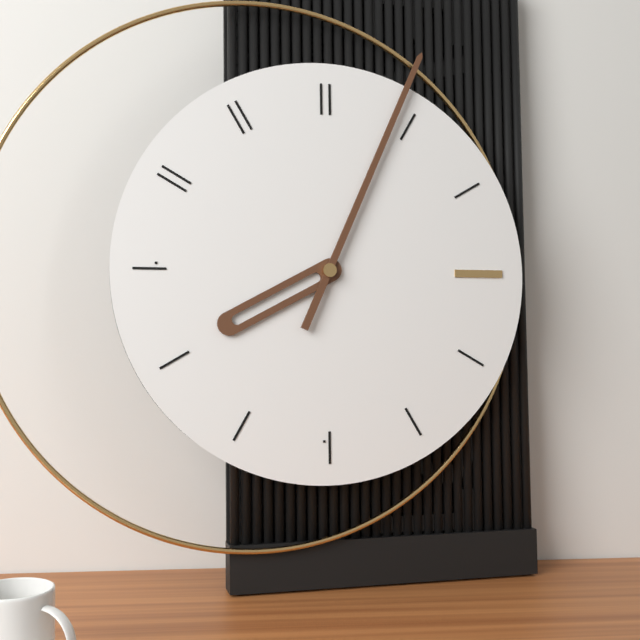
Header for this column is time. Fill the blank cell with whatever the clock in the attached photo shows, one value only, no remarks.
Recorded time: 8:04
